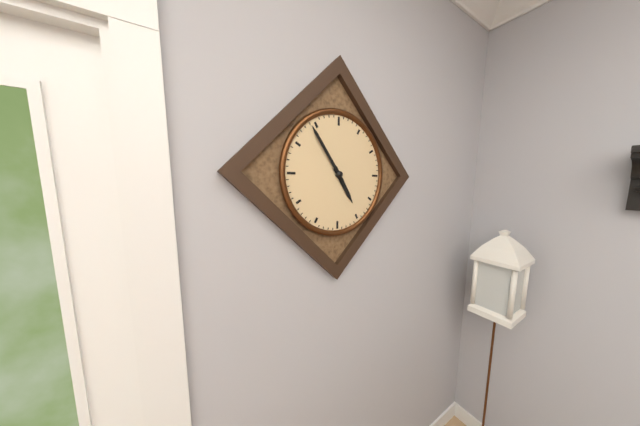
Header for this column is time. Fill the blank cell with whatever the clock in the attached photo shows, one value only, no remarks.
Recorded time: 4:54
